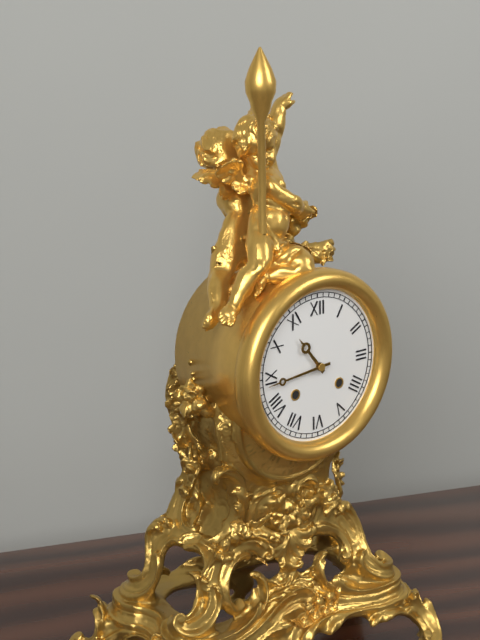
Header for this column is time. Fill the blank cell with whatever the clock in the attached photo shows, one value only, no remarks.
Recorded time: 10:44
